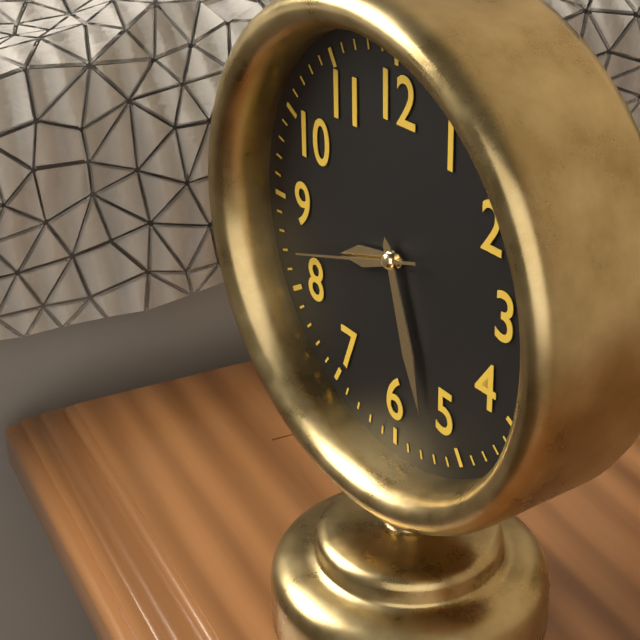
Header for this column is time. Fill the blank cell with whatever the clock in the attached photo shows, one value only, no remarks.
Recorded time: 8:27:42
